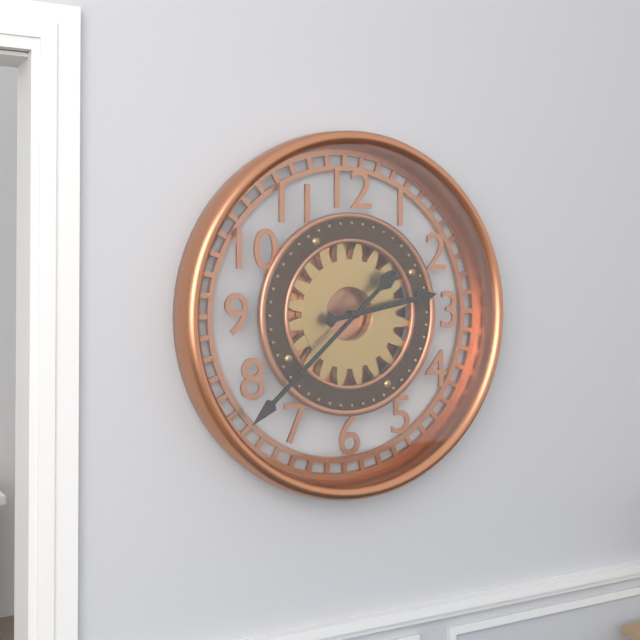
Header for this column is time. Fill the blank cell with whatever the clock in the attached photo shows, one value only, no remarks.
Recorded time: 2:38
